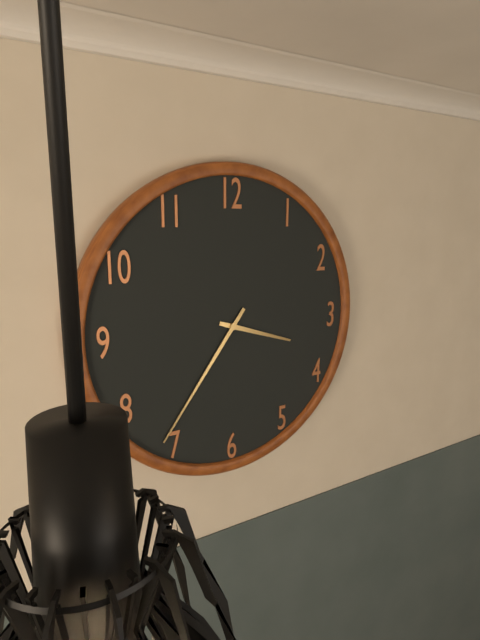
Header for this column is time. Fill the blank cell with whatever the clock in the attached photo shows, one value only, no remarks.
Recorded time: 3:36
